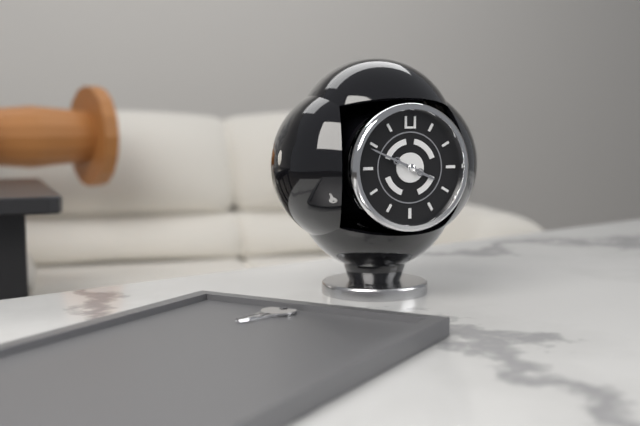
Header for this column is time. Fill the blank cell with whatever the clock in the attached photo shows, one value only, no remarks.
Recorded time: 3:49
